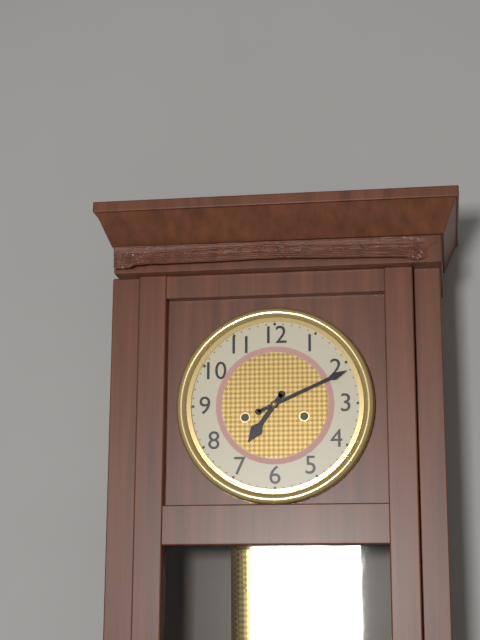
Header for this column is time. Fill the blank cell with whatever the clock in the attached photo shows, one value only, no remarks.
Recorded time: 7:11
